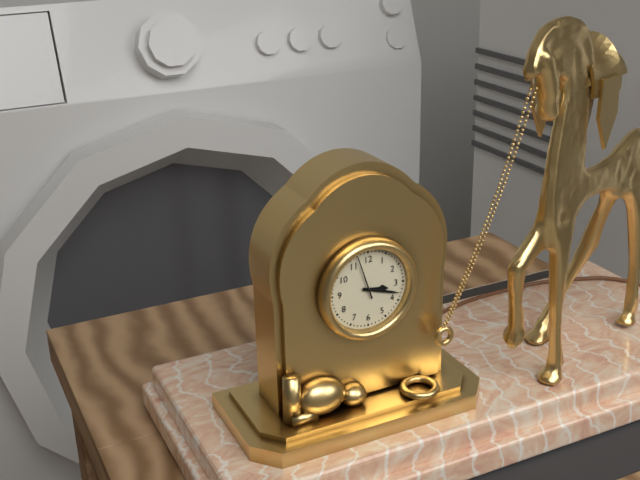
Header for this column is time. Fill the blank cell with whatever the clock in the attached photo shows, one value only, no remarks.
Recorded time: 3:18
